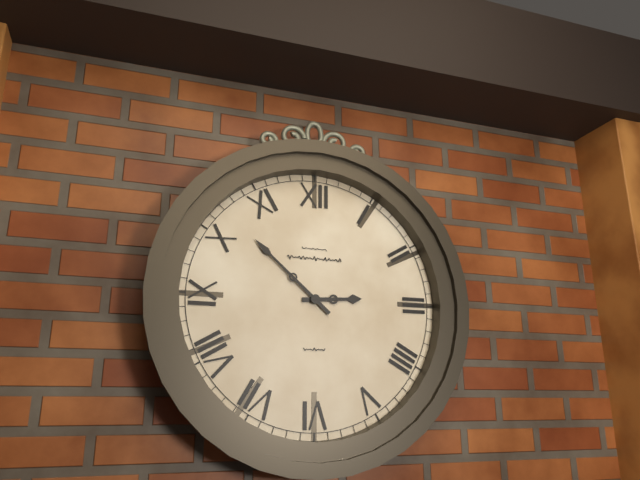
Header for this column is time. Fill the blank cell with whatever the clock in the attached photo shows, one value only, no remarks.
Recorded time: 2:52
